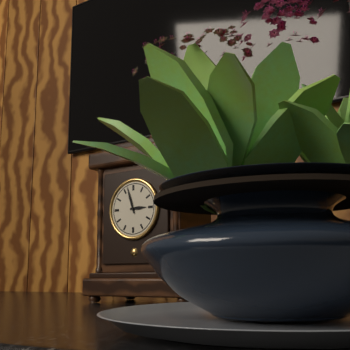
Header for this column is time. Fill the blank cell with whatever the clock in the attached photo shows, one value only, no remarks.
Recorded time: 2:57
